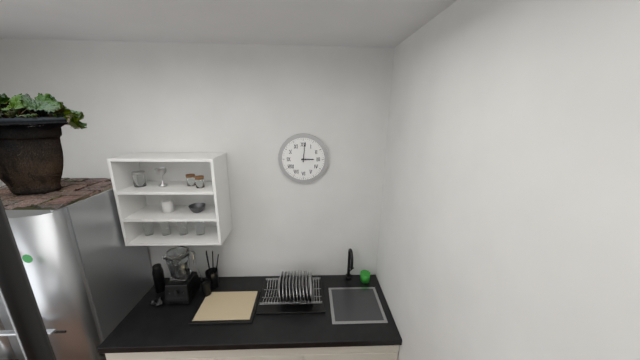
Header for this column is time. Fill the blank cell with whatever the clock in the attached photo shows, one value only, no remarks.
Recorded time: 3:01
